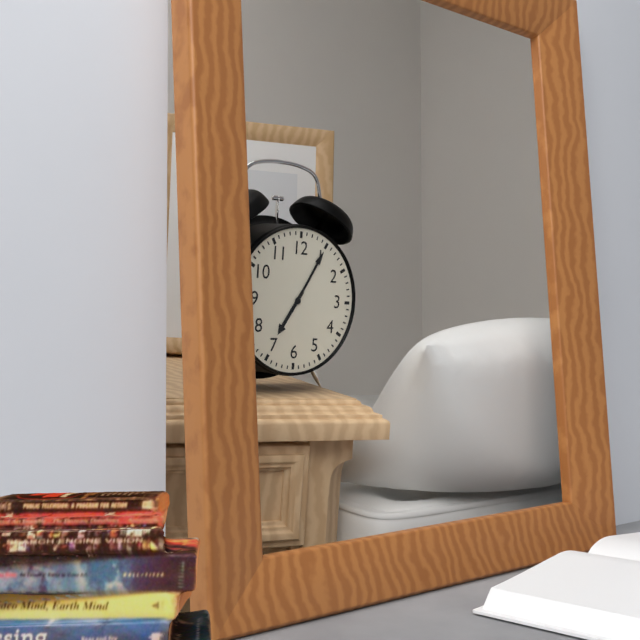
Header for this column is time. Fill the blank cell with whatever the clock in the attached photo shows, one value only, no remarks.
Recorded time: 7:05
